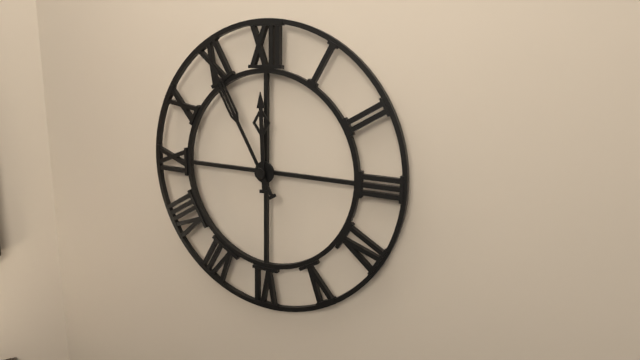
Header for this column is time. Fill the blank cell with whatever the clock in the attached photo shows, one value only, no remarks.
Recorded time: 11:55
